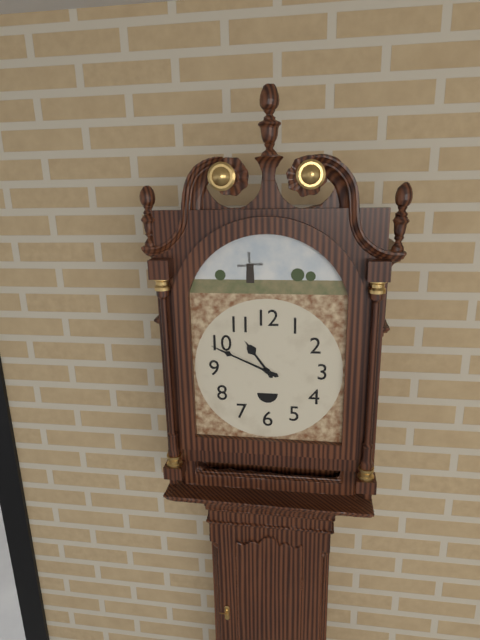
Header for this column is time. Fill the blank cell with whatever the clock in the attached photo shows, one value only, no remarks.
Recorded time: 10:49
